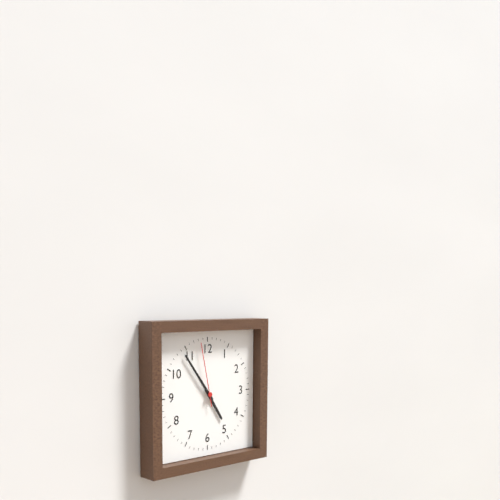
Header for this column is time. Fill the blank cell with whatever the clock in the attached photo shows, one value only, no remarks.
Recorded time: 4:54:58
